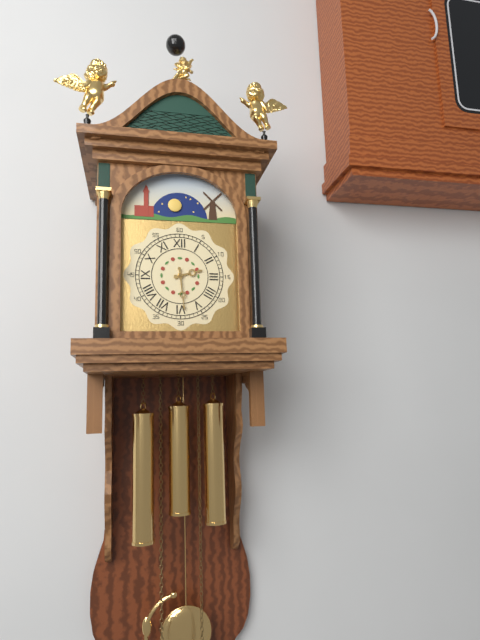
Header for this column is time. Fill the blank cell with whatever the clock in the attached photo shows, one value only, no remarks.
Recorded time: 2:29
